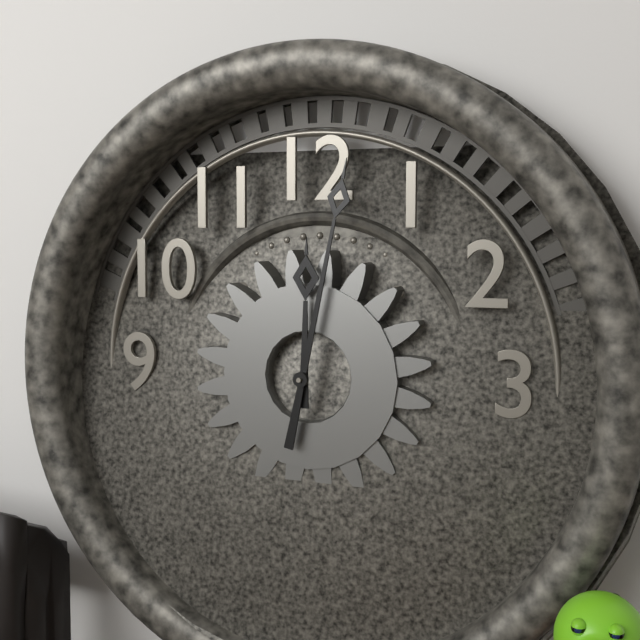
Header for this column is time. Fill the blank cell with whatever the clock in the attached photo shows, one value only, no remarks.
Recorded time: 12:02
